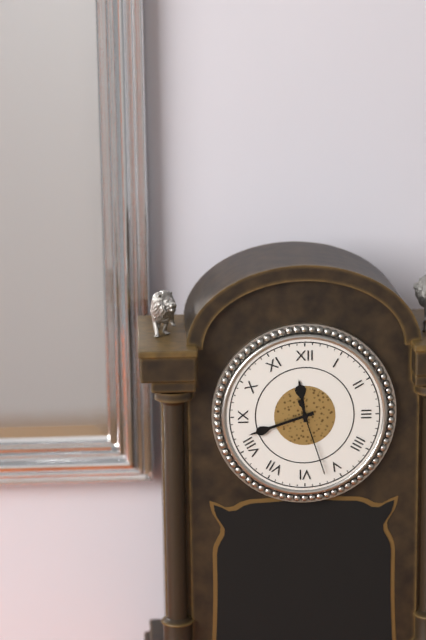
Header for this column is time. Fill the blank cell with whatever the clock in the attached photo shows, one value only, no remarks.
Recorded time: 11:42:27
